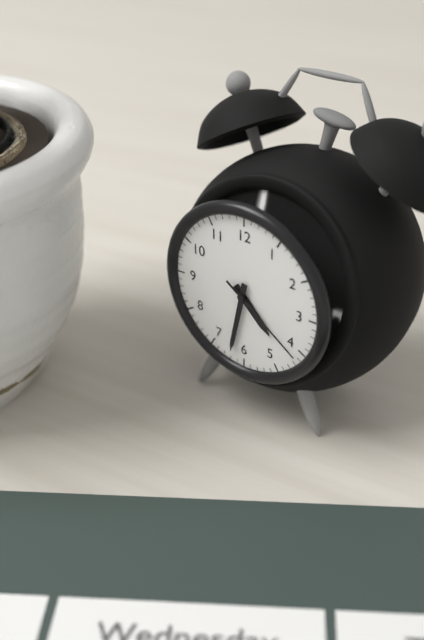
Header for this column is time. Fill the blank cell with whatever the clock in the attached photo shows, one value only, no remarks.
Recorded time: 4:32:21
